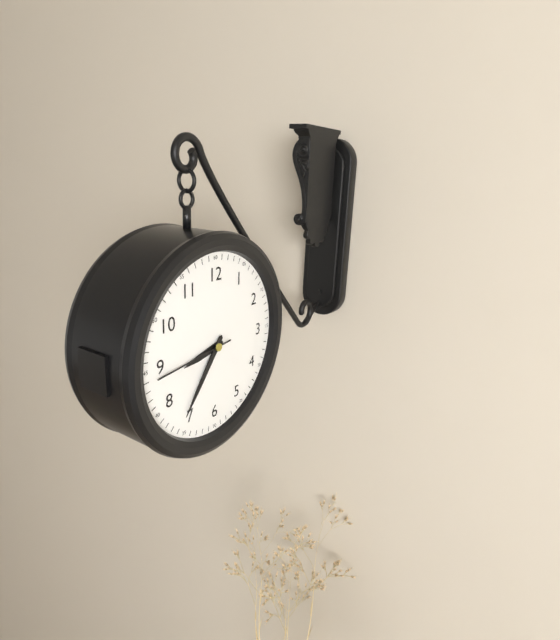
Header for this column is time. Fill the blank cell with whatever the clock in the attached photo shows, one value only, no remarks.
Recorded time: 8:36:44
